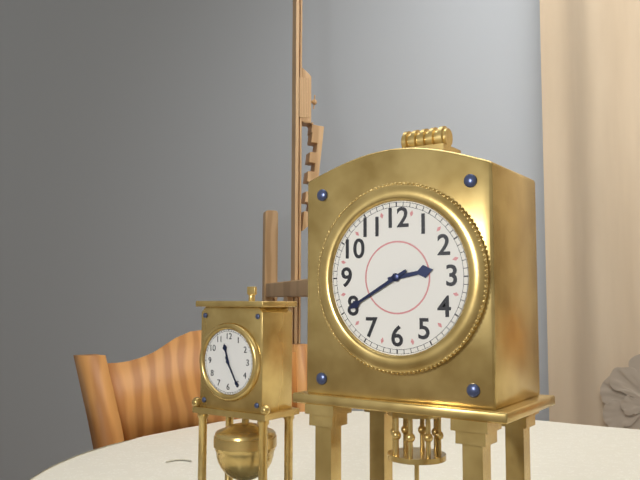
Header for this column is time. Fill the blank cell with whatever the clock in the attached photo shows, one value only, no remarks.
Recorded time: 2:40
